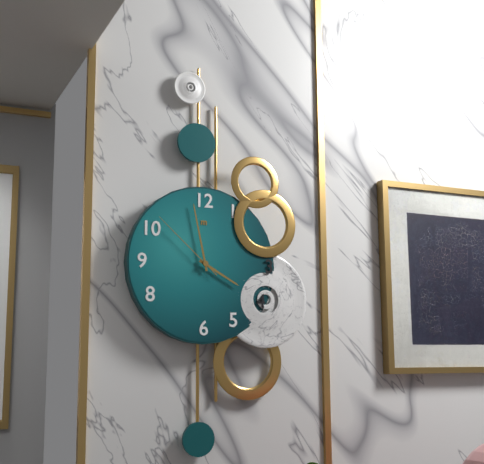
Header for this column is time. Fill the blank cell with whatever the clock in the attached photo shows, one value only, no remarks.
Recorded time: 3:58:52
